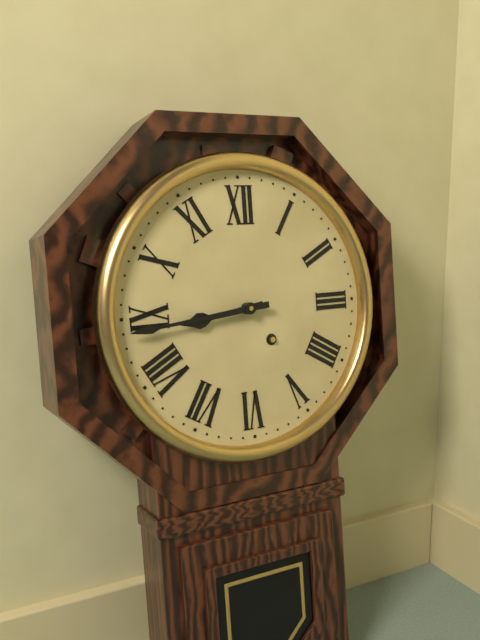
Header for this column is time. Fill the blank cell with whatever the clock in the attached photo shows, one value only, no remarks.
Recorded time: 8:44
